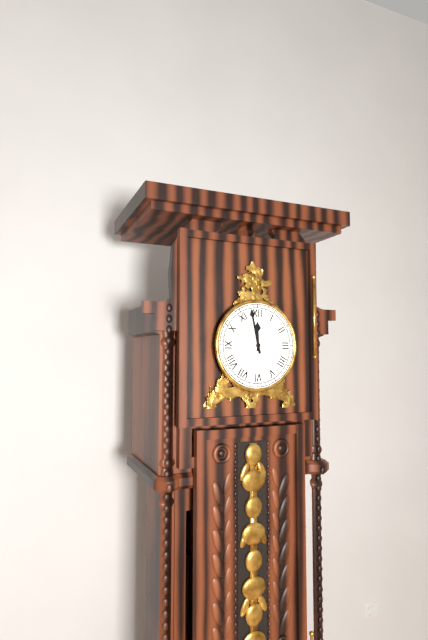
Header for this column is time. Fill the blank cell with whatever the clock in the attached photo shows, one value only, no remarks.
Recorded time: 11:58
